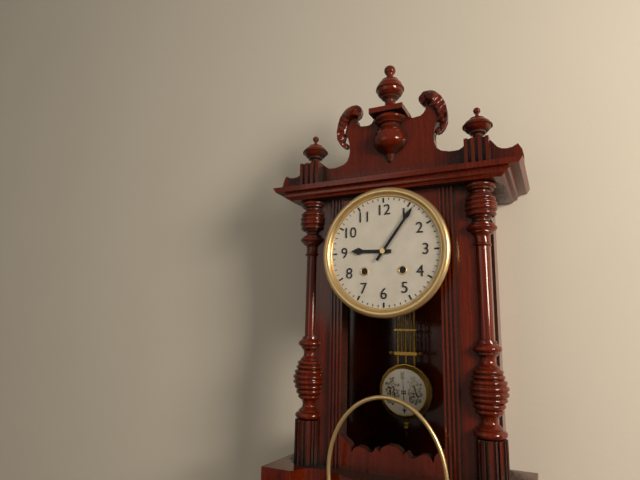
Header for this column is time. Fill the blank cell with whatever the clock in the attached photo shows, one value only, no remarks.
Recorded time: 9:06
